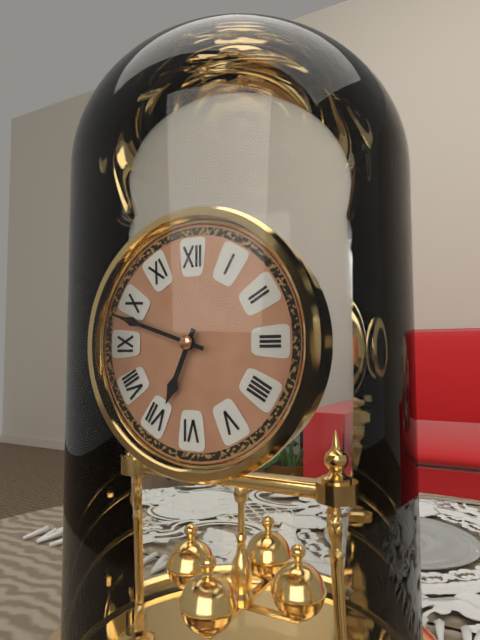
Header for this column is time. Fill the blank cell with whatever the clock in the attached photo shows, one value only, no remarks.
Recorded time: 6:48
